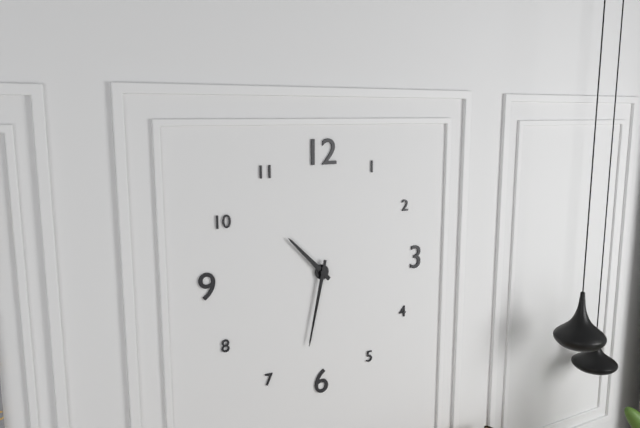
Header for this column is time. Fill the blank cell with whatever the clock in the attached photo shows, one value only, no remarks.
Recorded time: 10:32
